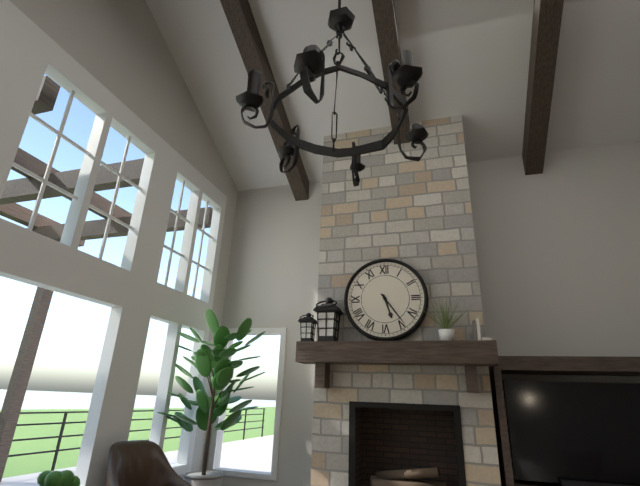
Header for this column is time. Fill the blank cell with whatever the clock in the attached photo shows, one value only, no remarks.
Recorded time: 5:24
